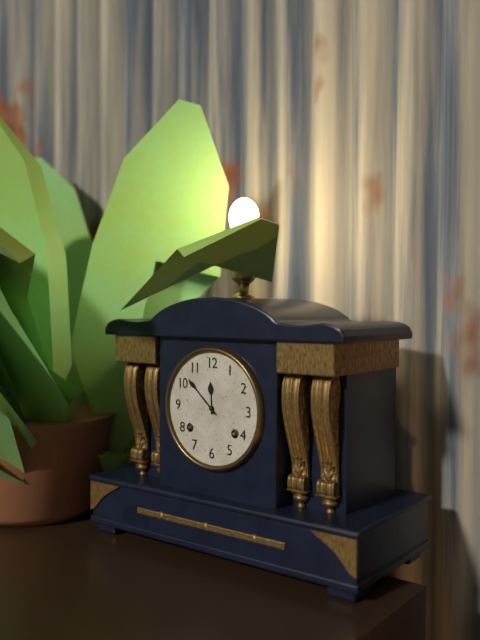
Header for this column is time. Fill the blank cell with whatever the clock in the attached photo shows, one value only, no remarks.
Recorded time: 11:52
